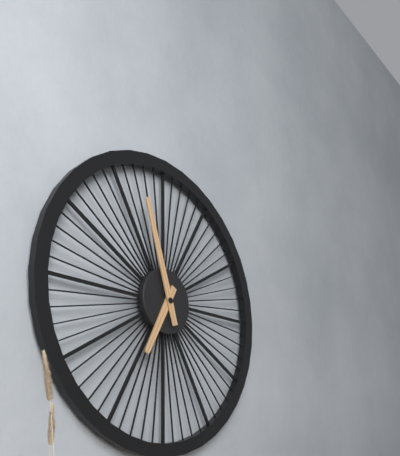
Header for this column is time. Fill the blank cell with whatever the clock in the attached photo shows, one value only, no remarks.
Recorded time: 6:57
